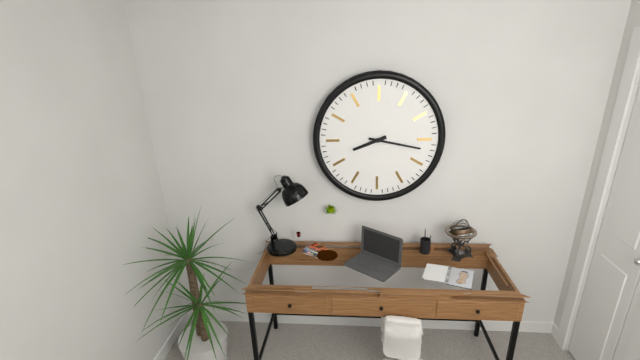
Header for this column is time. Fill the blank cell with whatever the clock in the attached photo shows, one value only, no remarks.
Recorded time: 8:17
